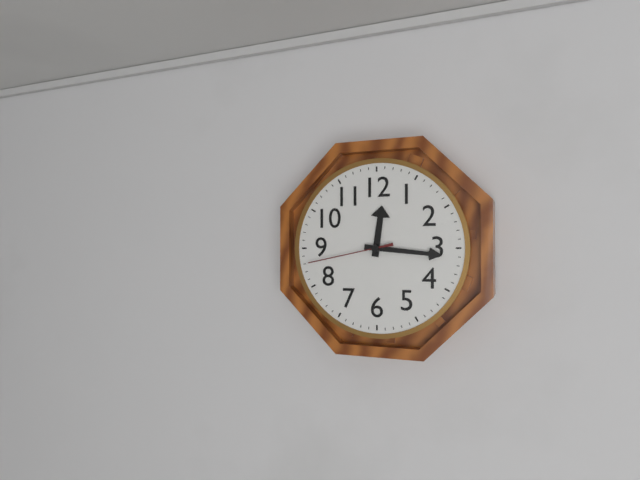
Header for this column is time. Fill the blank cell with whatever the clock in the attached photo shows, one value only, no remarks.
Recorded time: 12:16:43
